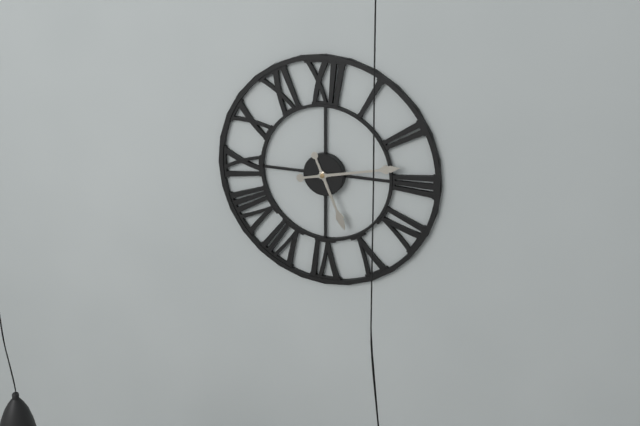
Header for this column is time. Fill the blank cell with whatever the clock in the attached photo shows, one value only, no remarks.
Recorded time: 5:13
